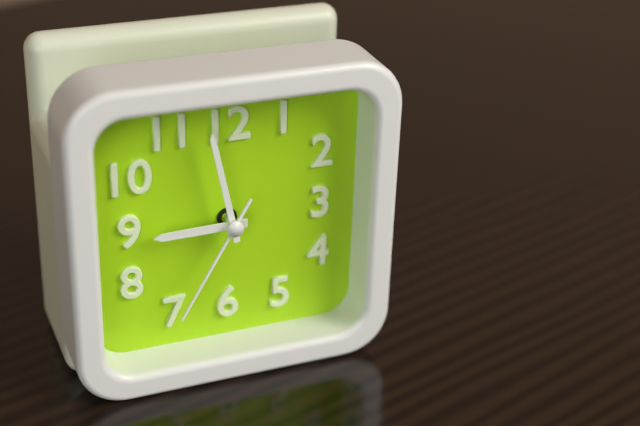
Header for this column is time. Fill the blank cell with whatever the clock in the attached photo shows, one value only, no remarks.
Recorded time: 8:58:35
